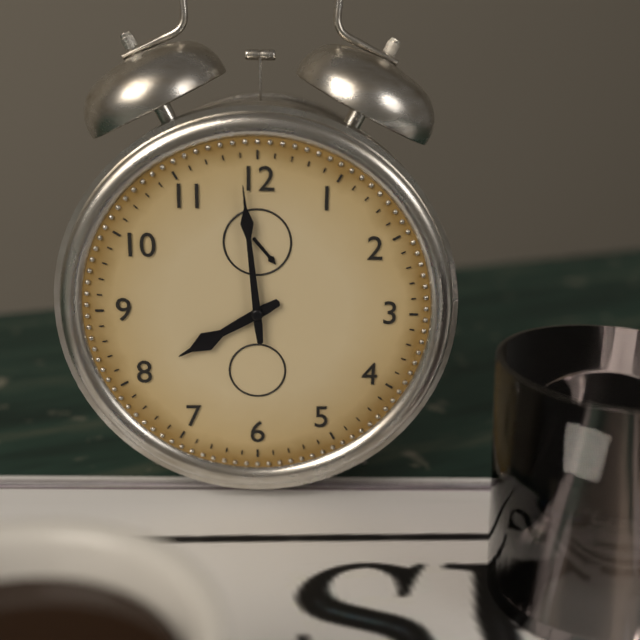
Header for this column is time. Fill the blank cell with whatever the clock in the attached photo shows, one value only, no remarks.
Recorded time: 7:59
